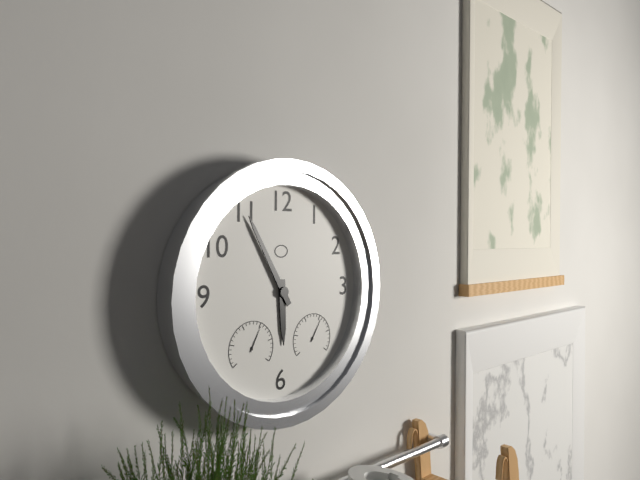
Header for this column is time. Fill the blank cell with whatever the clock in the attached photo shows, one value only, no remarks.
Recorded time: 5:55
